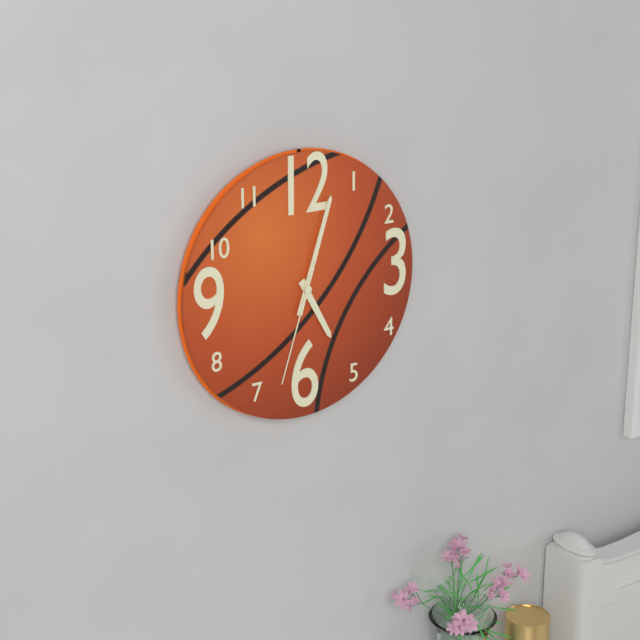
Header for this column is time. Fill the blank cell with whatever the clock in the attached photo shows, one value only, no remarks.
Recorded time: 5:03:33
